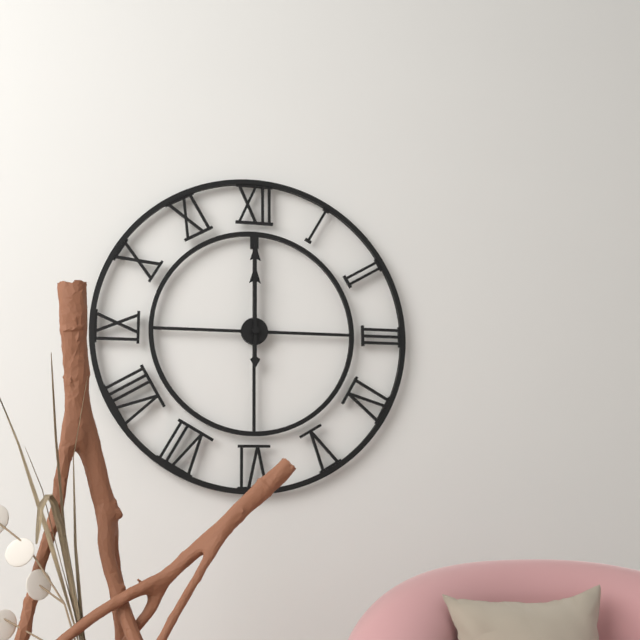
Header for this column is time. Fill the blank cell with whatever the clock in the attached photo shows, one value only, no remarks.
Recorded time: 12:00
